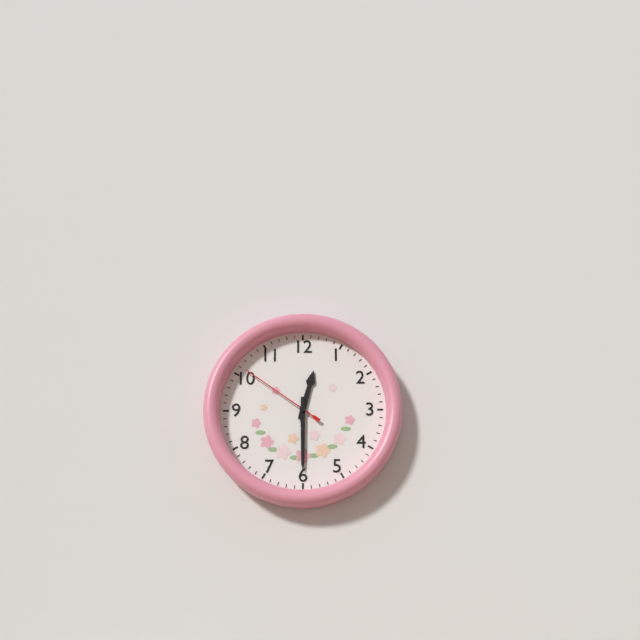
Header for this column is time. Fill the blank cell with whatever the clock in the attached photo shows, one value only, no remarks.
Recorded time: 12:30:51
